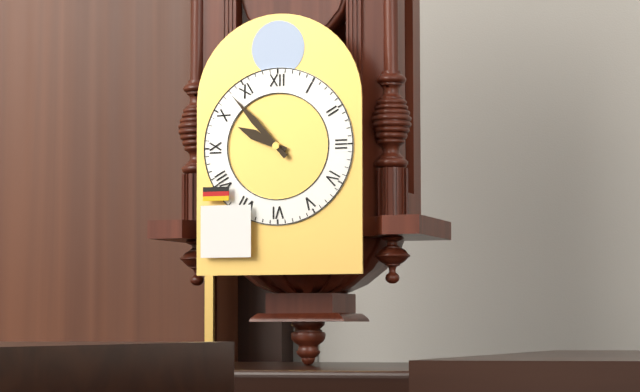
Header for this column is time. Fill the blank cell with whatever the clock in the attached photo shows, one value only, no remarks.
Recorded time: 9:53
